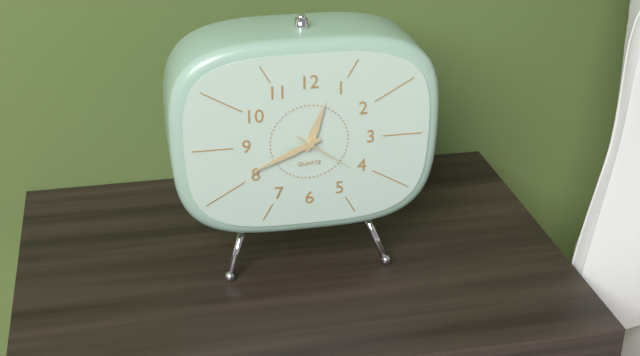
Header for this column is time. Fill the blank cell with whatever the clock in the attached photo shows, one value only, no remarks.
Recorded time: 12:41:21
